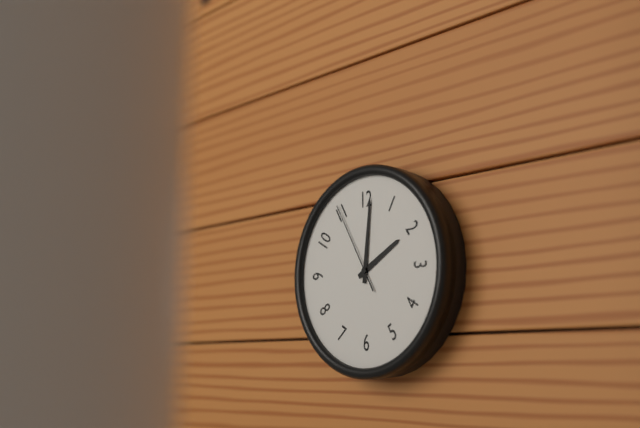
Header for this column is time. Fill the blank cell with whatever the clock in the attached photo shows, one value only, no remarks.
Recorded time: 2:01:55
